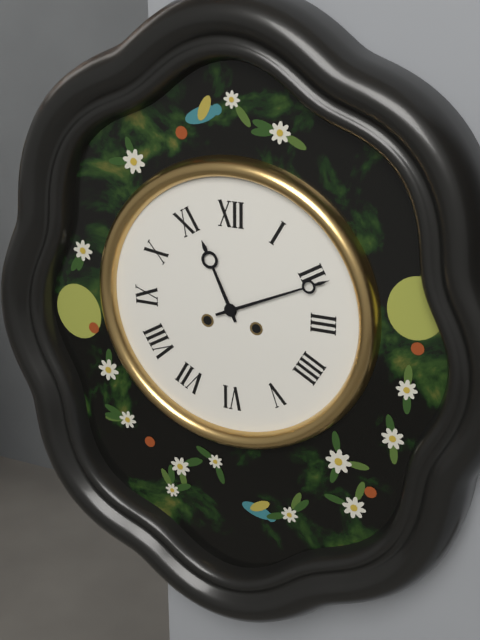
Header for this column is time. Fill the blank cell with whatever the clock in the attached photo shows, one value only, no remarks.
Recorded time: 11:11
